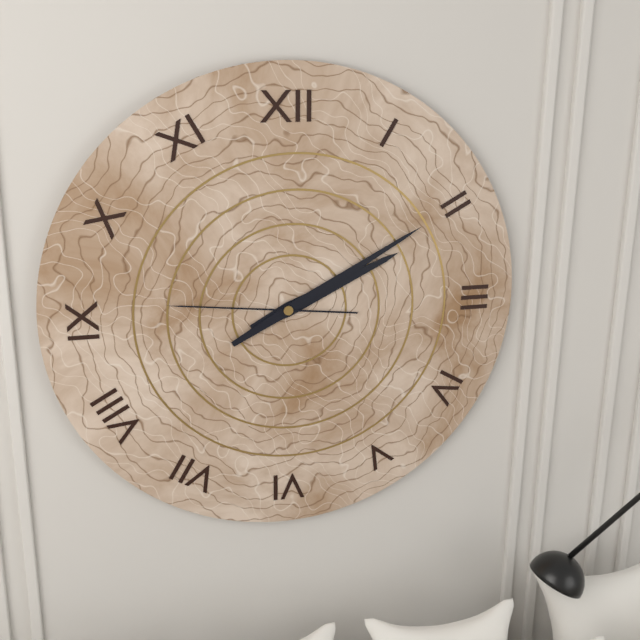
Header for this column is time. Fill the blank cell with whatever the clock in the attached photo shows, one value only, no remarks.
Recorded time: 2:10:46
